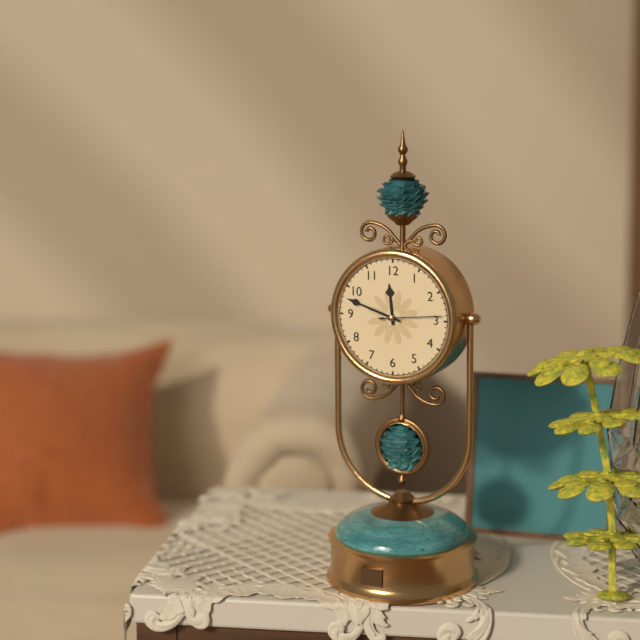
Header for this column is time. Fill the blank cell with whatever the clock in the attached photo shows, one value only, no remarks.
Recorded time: 11:48:14
